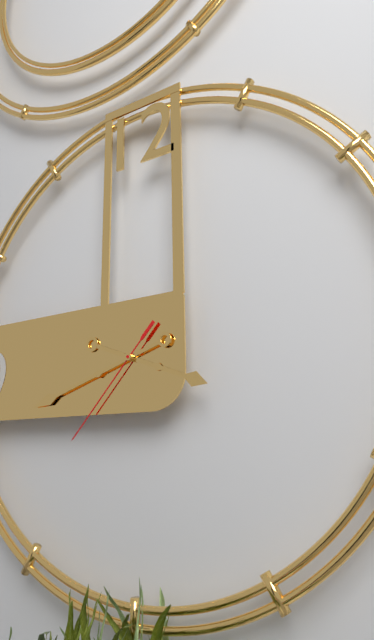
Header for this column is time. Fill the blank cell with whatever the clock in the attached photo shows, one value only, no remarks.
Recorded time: 3:42:37
